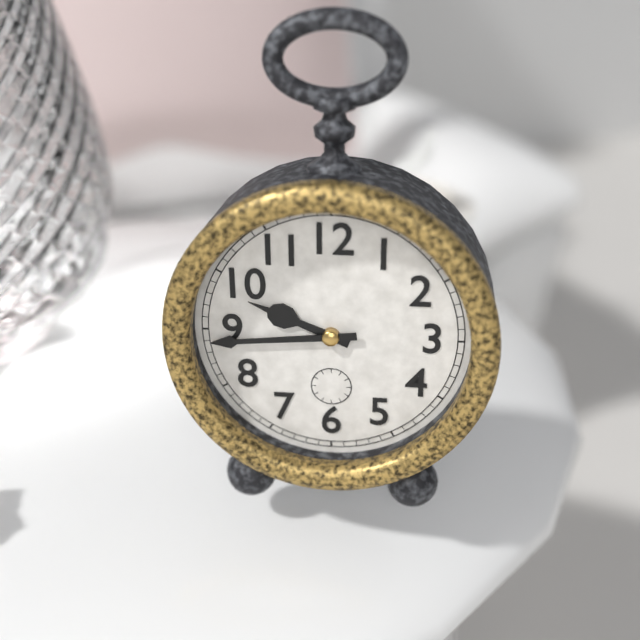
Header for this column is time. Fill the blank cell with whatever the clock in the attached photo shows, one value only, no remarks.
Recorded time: 9:44
